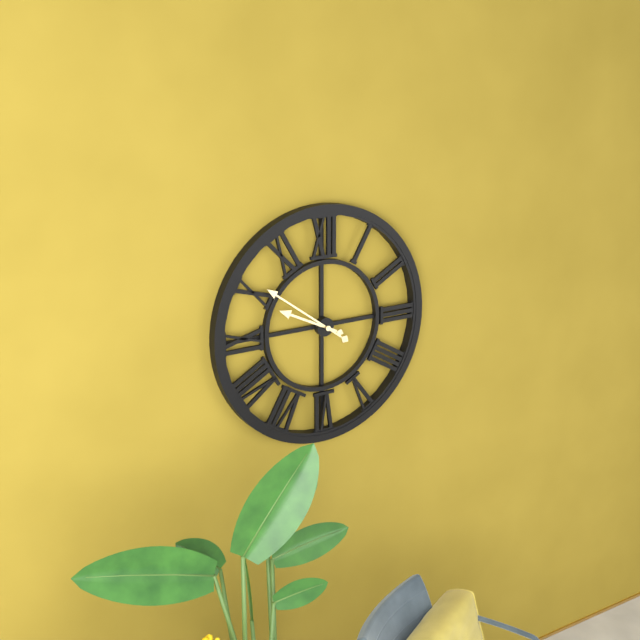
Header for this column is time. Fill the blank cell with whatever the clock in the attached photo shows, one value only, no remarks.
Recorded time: 9:51
